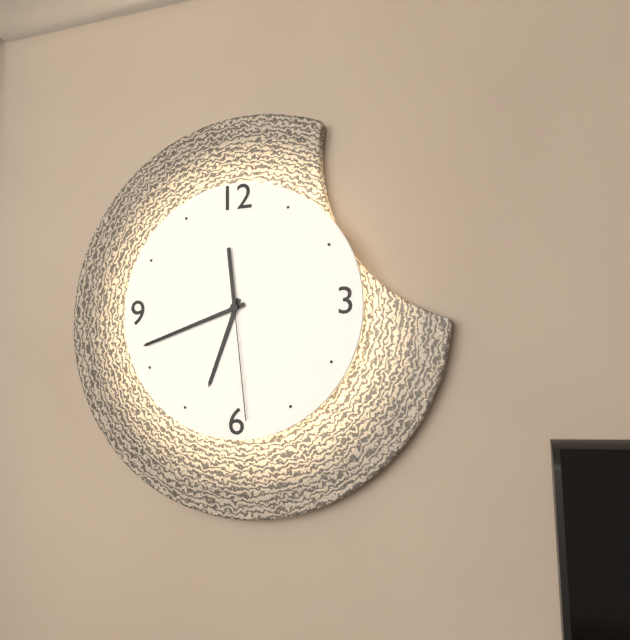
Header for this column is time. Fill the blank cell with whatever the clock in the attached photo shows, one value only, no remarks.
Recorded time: 6:42:29
